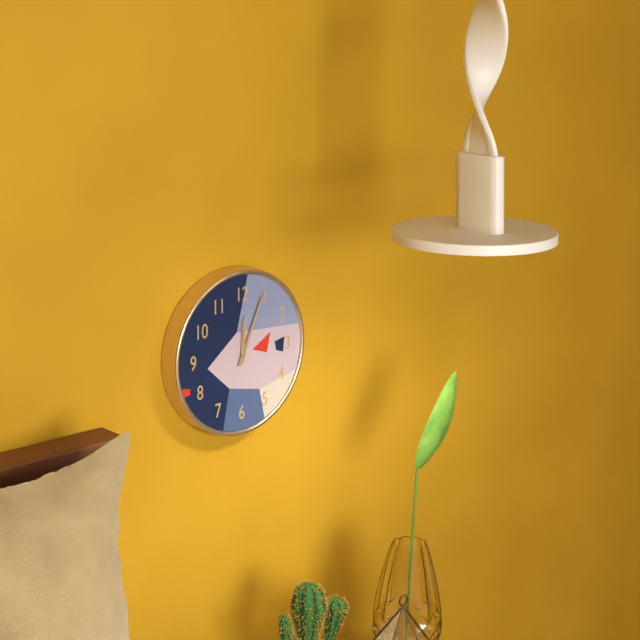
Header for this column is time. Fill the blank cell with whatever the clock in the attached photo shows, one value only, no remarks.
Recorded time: 12:04
